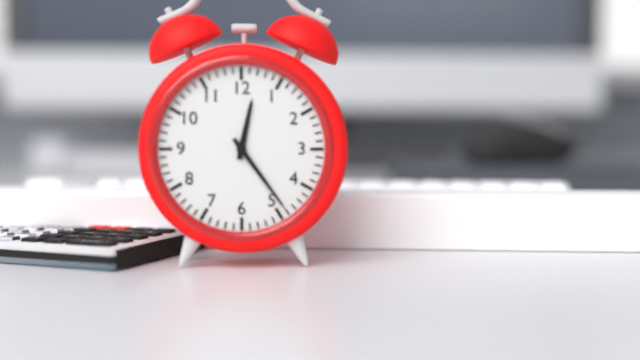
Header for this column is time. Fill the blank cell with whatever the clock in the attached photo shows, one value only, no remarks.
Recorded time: 12:24
